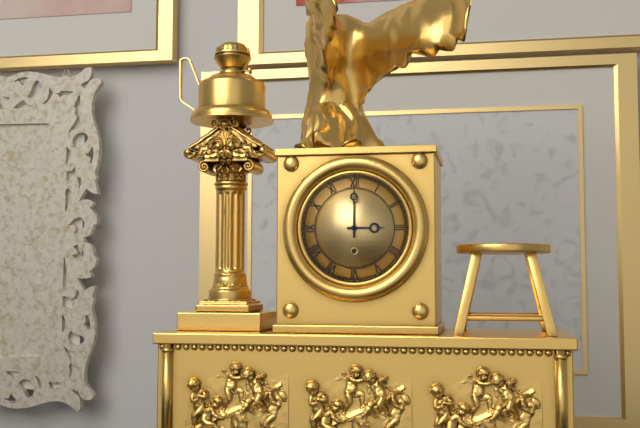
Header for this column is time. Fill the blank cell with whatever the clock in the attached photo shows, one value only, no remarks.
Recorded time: 3:00
